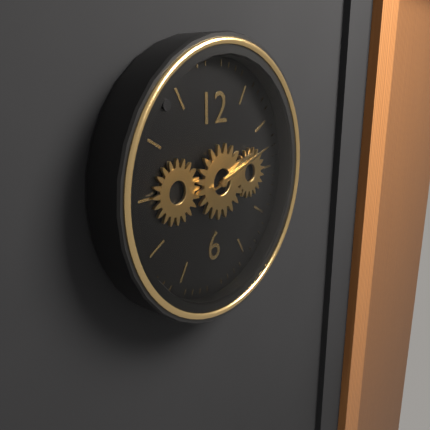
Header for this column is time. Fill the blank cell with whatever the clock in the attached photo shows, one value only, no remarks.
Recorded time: 2:12
